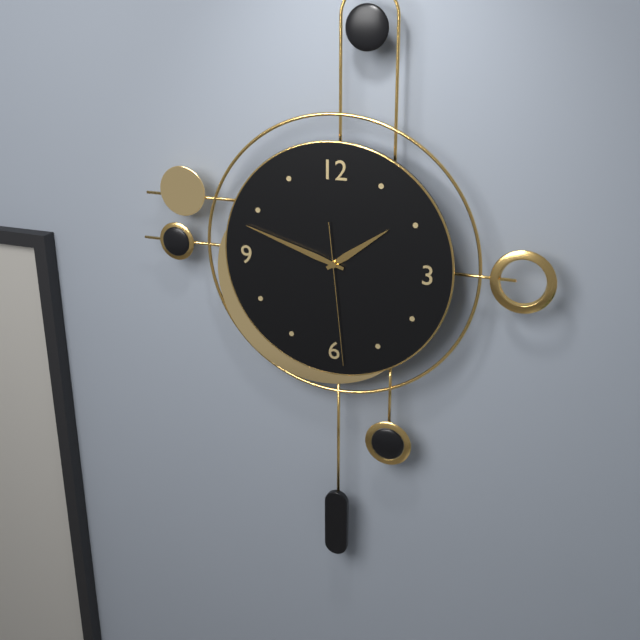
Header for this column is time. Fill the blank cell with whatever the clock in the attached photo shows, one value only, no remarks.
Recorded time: 1:48:29
